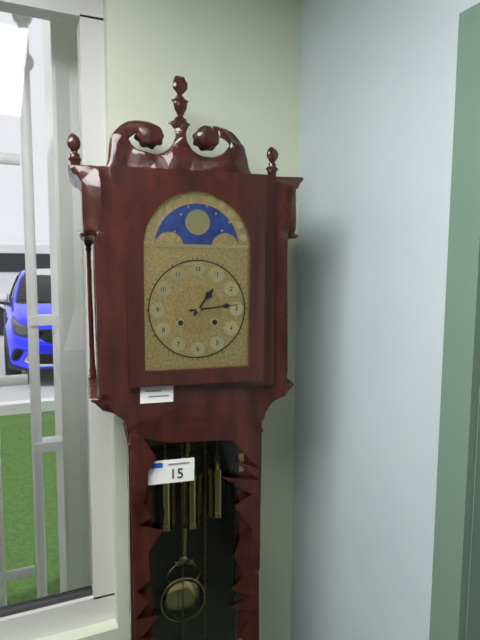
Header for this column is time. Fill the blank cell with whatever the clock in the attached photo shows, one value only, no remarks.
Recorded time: 1:14
